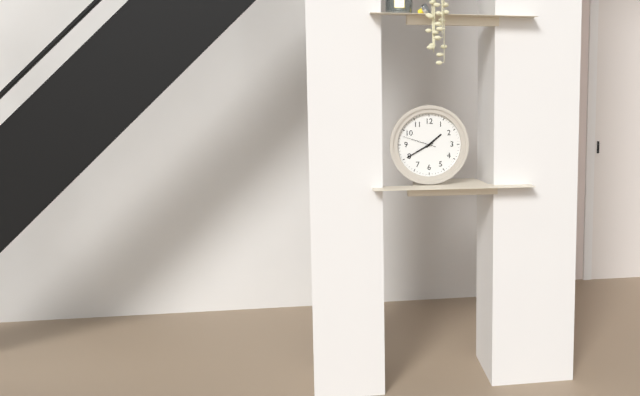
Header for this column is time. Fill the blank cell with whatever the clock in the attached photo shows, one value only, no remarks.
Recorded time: 1:40
